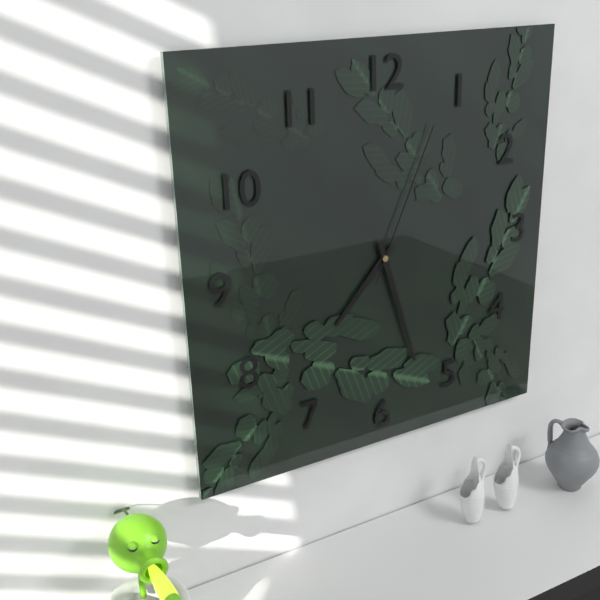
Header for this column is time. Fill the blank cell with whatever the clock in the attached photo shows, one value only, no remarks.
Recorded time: 7:27:04
